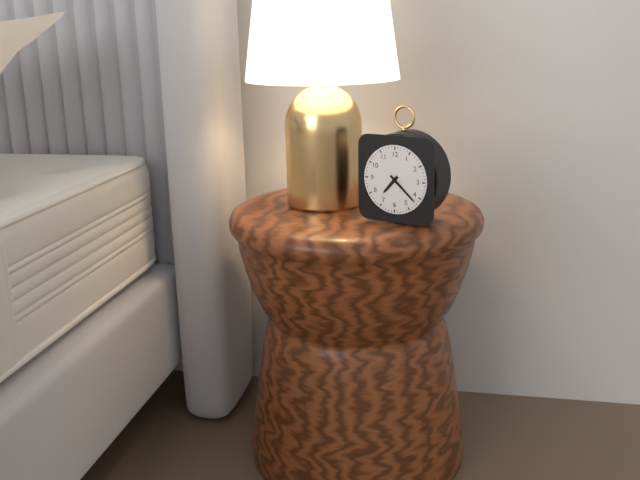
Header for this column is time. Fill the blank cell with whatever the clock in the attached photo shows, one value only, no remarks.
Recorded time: 7:22
